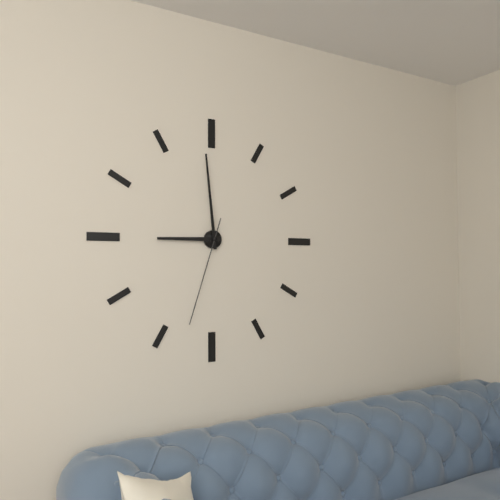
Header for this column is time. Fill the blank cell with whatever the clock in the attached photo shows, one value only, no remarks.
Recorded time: 8:59:33
